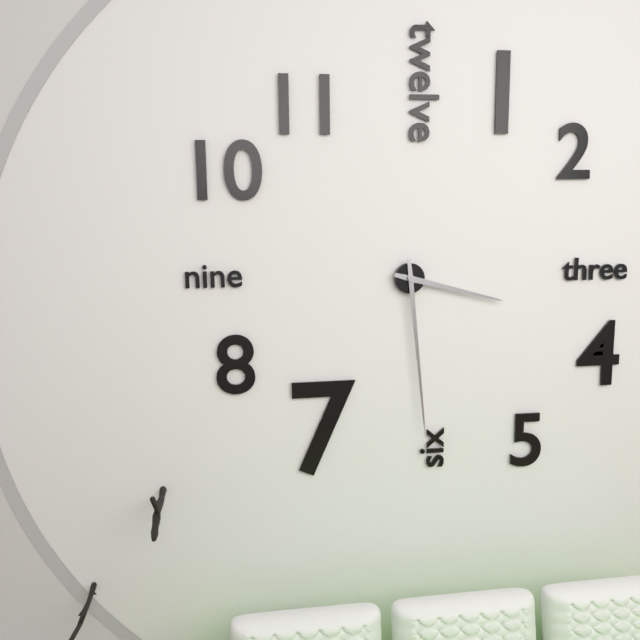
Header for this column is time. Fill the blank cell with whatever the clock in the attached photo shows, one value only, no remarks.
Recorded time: 3:29
